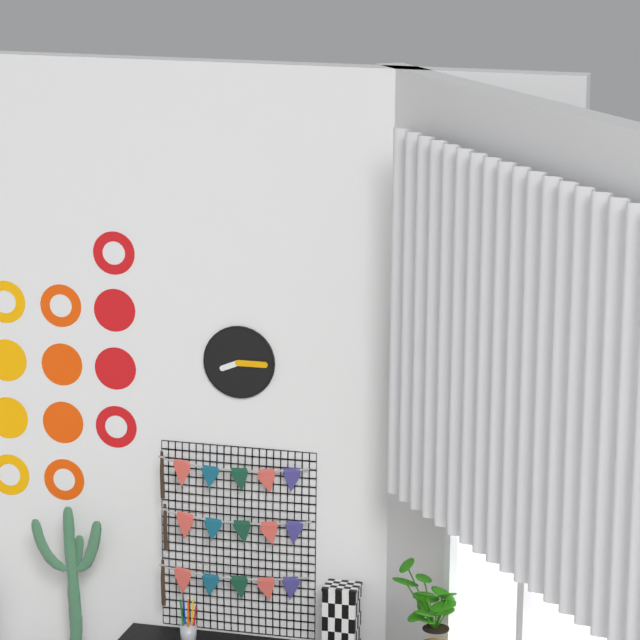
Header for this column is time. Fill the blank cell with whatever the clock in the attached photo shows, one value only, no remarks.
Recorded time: 8:15
